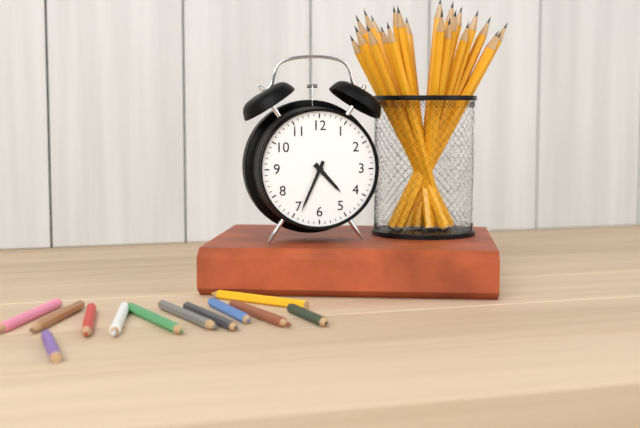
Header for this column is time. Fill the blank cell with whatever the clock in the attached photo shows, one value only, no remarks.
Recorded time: 4:34
